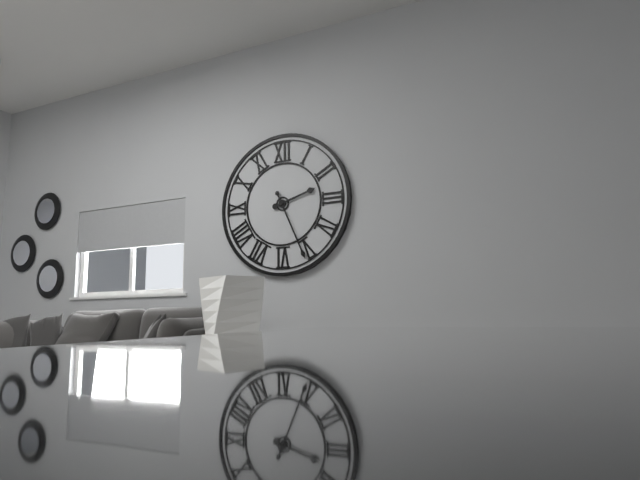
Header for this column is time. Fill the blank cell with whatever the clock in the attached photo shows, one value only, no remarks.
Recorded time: 2:26
